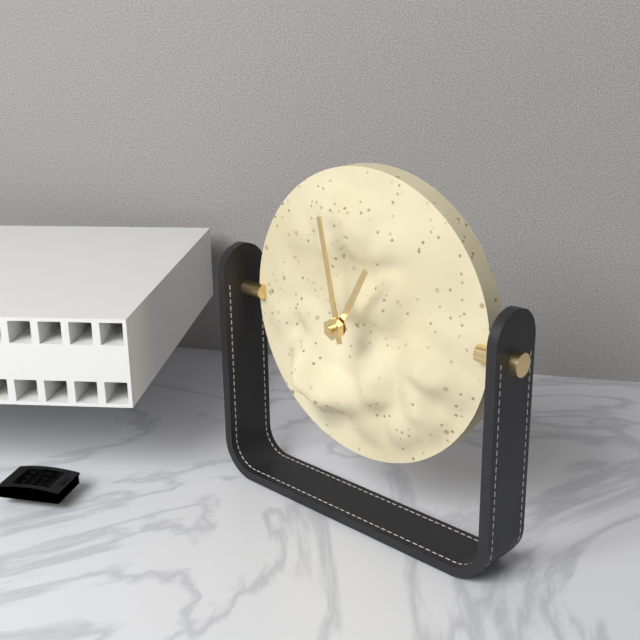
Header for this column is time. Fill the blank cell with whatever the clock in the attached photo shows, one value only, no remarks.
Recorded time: 12:58
